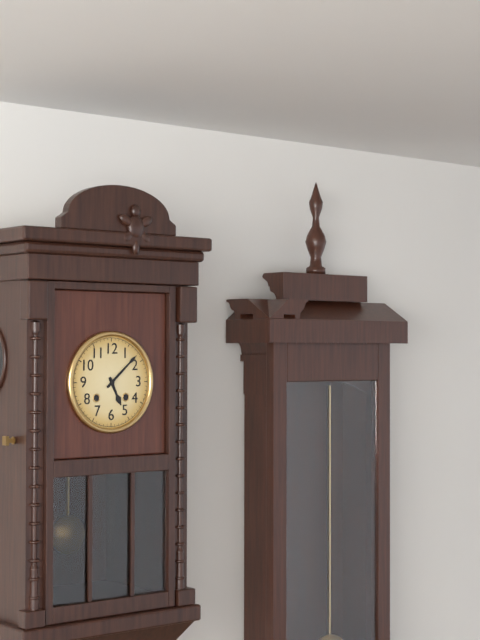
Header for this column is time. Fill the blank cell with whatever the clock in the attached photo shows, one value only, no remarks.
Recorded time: 5:08
